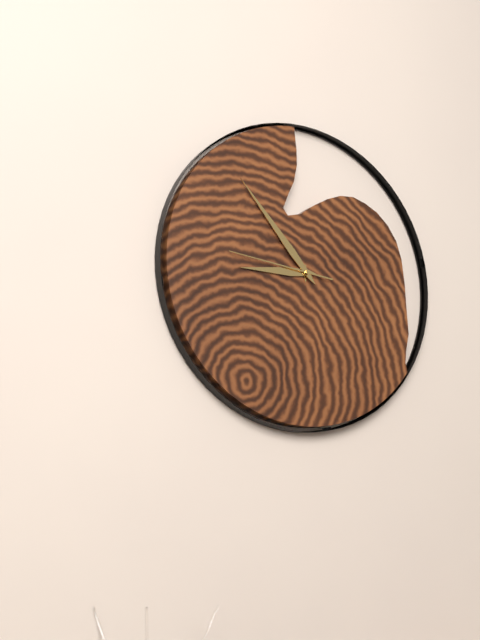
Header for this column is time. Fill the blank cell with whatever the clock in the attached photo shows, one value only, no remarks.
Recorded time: 8:53:46
